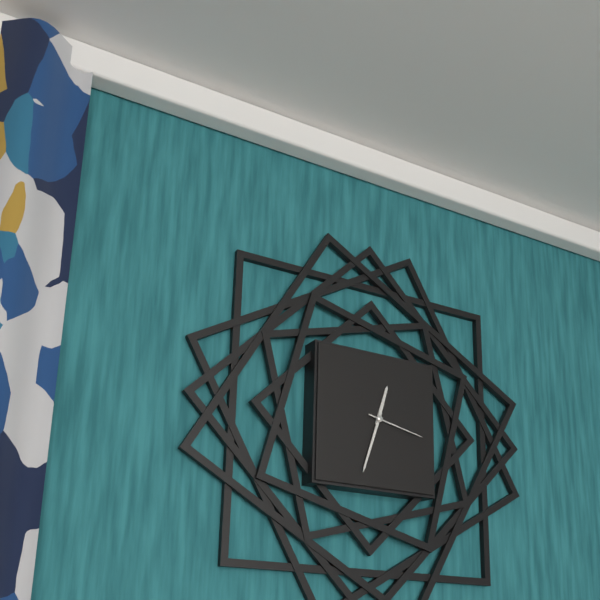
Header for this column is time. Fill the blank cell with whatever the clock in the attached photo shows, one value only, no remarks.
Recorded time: 12:33:17
